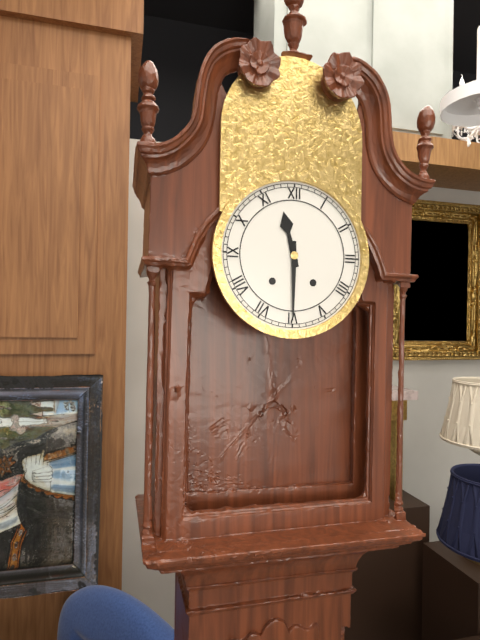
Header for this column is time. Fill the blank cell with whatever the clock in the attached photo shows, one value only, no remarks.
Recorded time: 11:30
